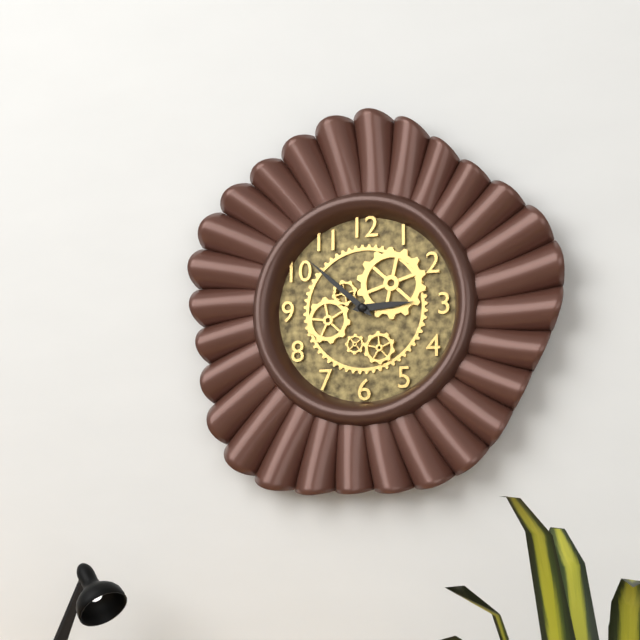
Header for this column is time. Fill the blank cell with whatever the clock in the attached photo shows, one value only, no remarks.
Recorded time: 2:52
